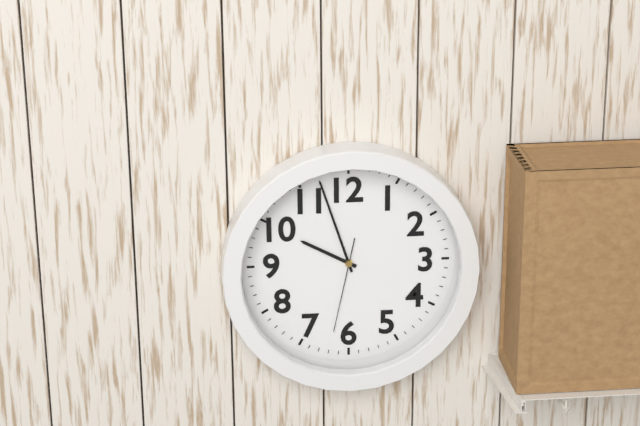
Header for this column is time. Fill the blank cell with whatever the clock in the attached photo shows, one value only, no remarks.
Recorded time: 9:57:32
